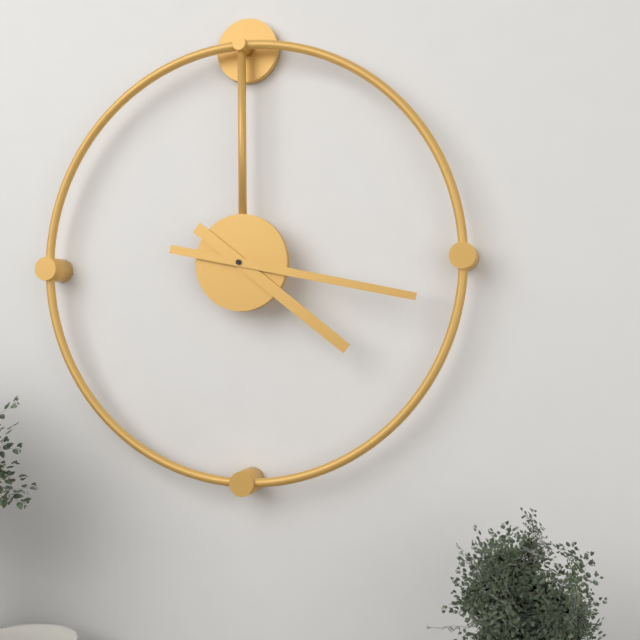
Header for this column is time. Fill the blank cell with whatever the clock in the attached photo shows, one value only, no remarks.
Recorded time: 4:17
